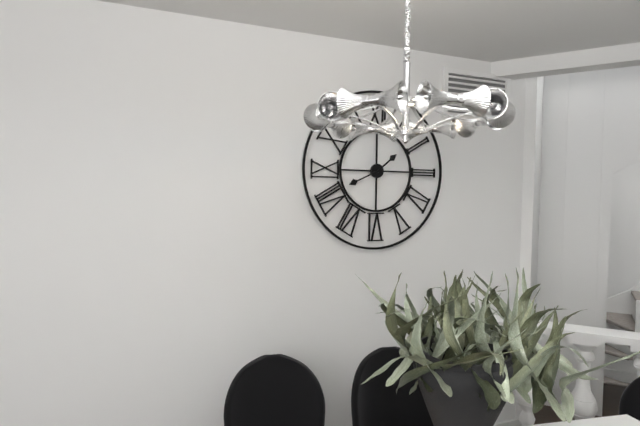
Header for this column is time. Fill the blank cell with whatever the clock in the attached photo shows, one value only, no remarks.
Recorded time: 1:41
